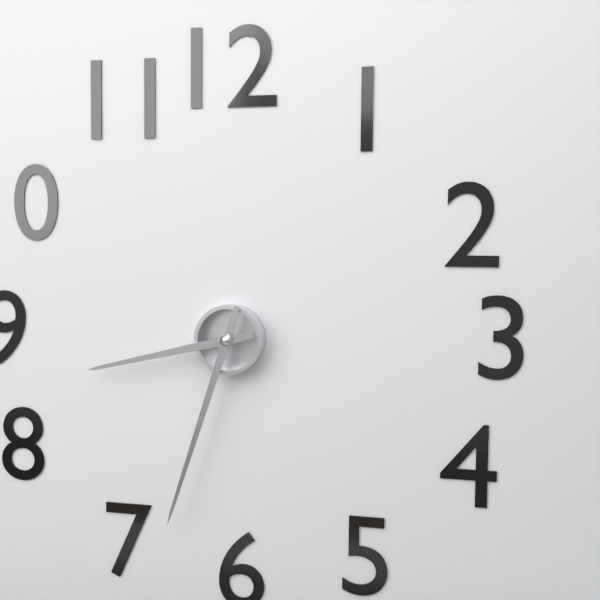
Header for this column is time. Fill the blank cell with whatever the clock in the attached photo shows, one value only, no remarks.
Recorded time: 8:33
